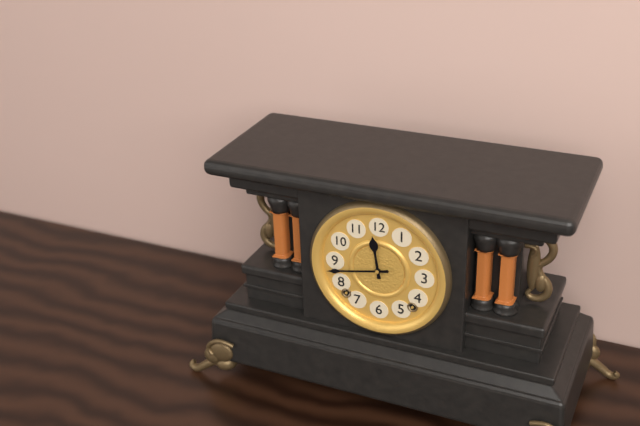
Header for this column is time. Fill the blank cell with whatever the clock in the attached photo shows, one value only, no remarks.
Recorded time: 11:43
